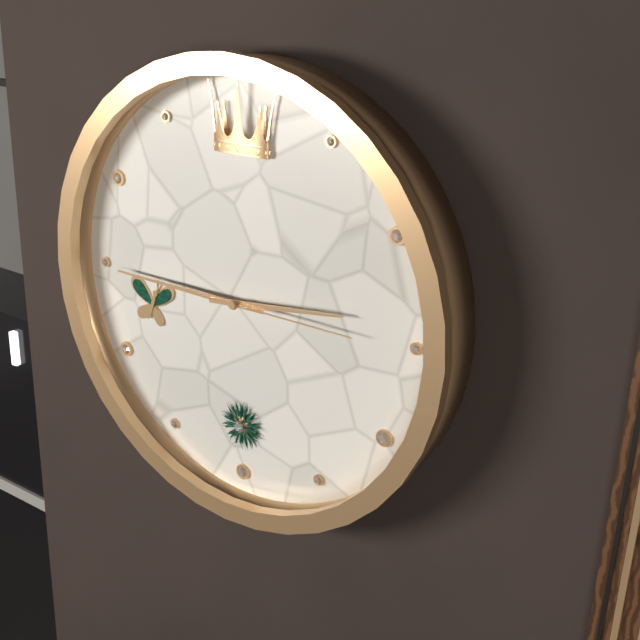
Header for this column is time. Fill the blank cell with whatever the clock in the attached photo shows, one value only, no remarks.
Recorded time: 2:45:15
